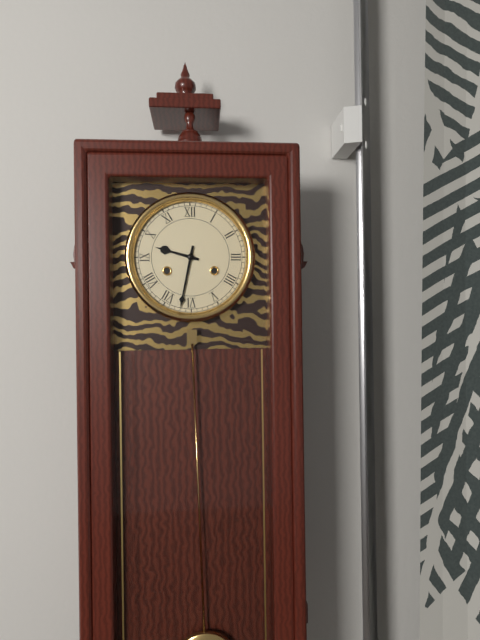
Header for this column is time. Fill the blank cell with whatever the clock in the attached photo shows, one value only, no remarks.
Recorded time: 9:32
